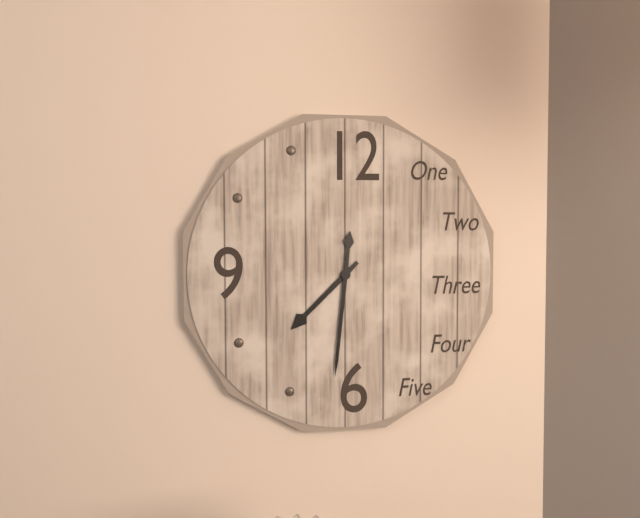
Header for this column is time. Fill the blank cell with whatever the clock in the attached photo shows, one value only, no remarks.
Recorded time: 7:31
